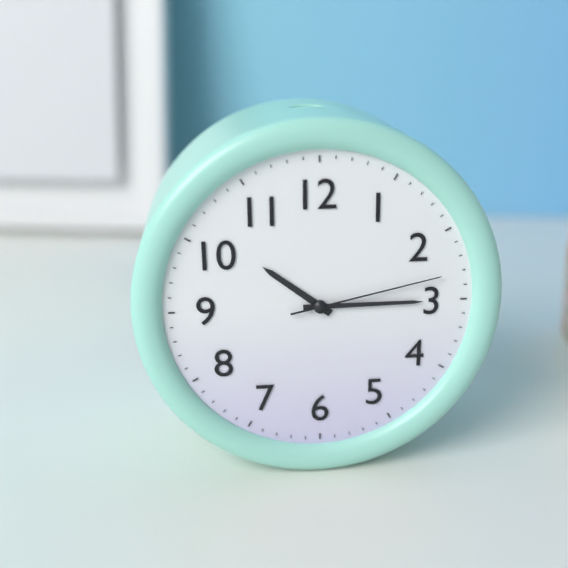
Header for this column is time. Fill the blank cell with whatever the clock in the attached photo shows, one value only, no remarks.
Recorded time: 10:15:13
